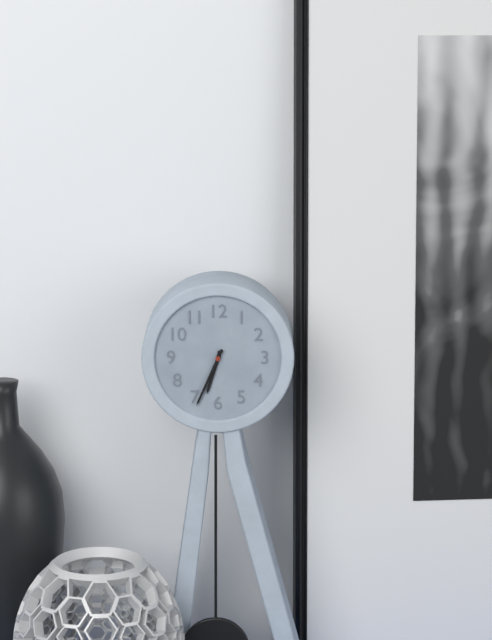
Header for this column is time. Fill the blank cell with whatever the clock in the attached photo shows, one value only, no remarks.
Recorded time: 6:34
